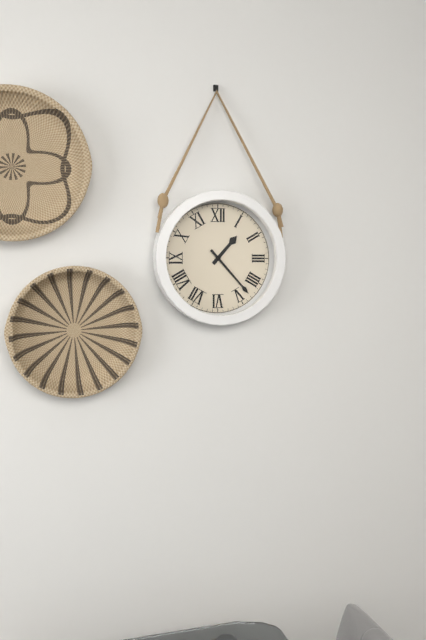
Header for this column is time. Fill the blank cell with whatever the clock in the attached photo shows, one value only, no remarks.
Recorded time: 1:23
